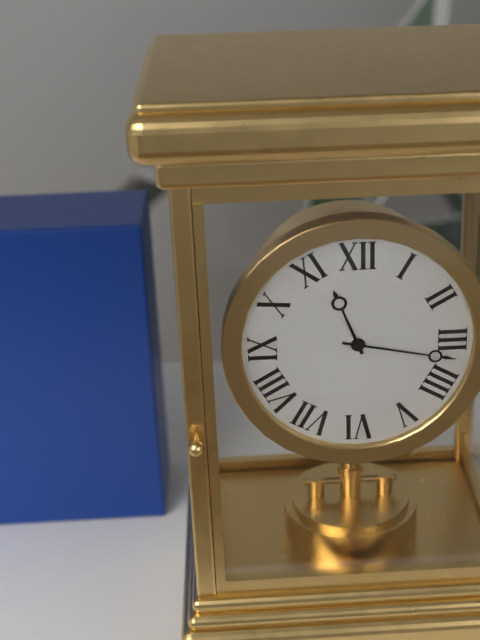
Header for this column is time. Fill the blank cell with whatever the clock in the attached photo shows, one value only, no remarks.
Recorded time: 11:17
